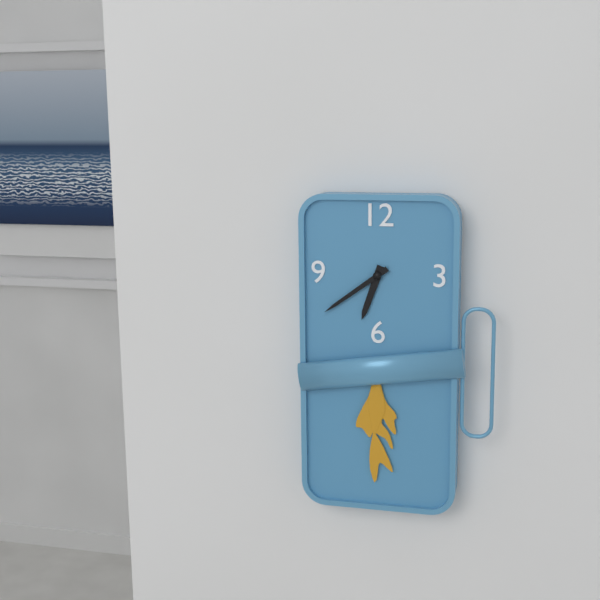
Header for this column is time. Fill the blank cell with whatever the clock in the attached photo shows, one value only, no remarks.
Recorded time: 6:39
